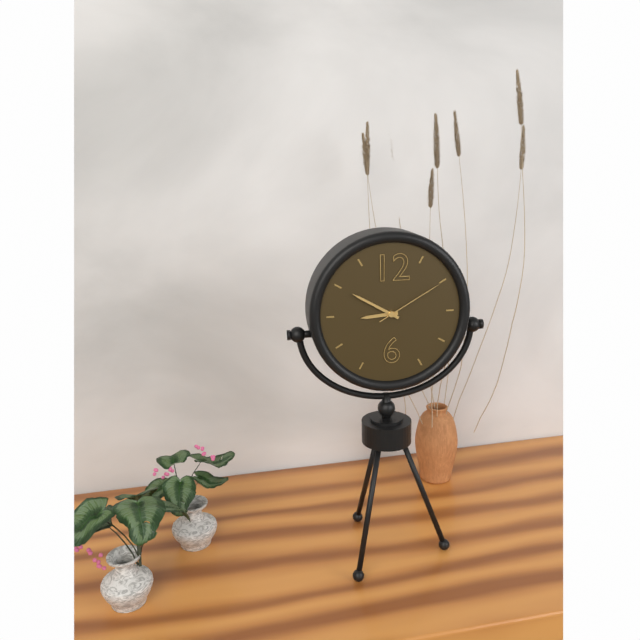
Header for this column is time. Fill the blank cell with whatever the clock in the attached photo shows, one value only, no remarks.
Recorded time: 8:50:10
